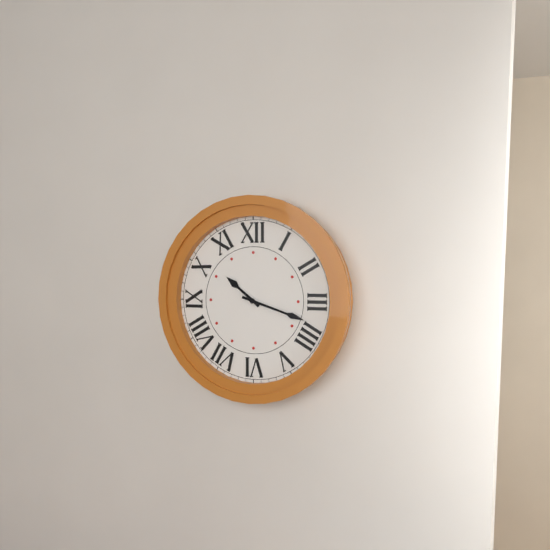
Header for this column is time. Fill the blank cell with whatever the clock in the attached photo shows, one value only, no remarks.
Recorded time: 10:18
